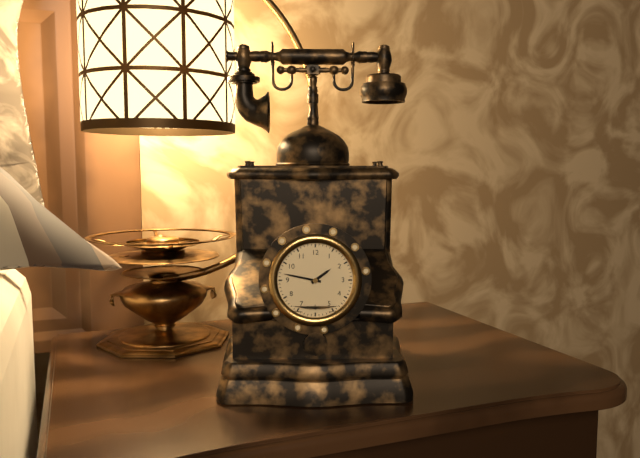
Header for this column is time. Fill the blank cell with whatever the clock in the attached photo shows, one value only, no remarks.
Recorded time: 1:47
